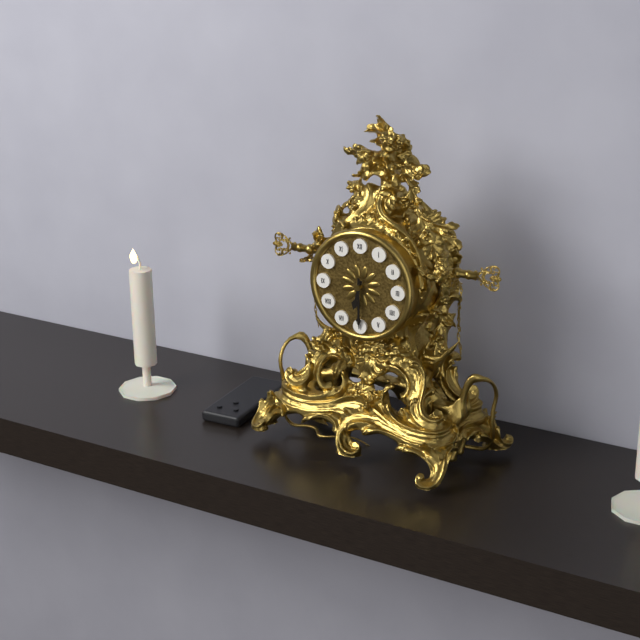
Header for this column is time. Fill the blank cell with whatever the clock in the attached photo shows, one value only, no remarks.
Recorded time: 6:30
